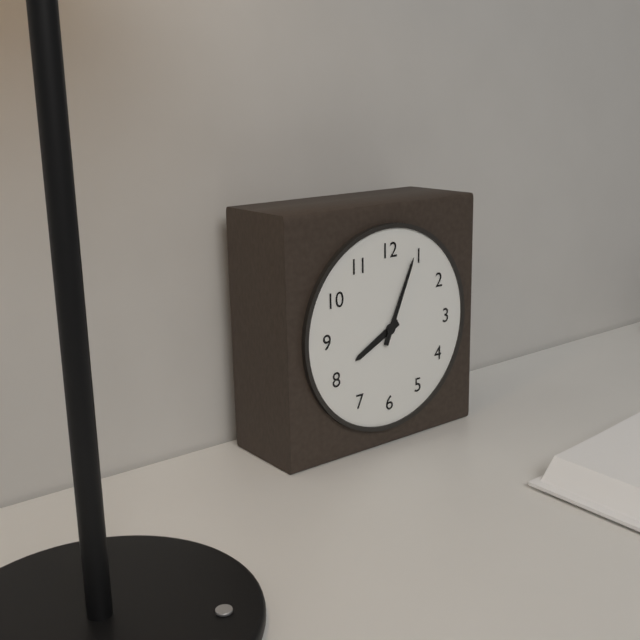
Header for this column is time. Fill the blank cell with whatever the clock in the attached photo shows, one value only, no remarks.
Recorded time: 8:04
